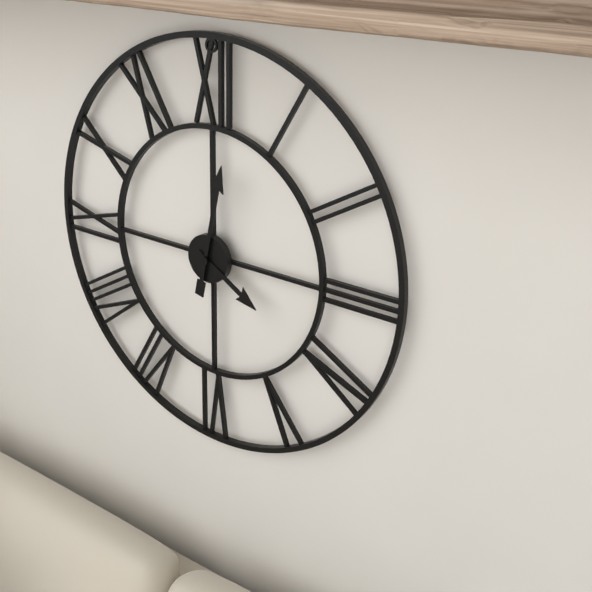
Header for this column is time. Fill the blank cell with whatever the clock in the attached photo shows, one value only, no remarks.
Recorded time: 4:02
